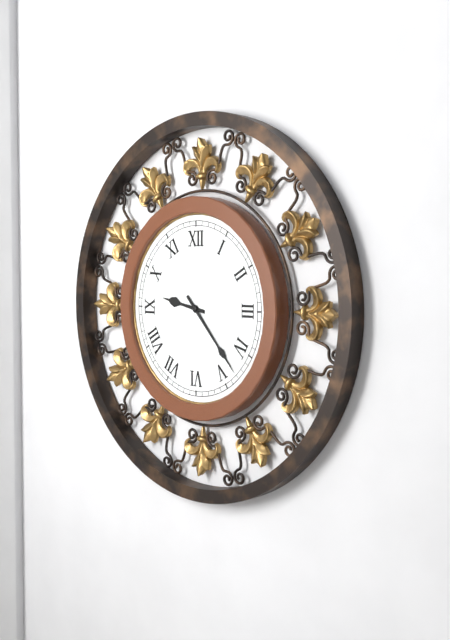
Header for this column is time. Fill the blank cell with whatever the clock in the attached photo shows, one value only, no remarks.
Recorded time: 9:23
